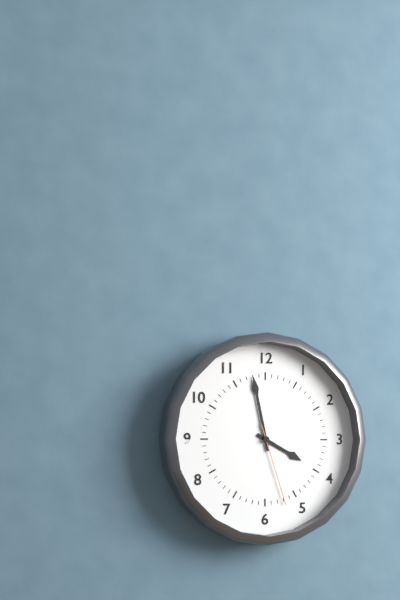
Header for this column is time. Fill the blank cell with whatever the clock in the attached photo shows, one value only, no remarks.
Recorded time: 3:58:27
